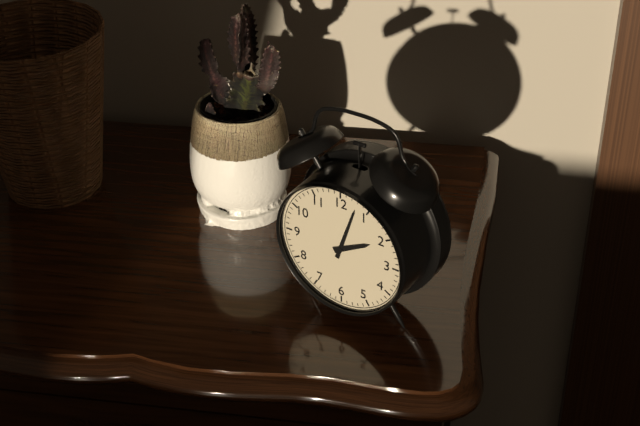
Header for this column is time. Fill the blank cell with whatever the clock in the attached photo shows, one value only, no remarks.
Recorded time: 2:03
